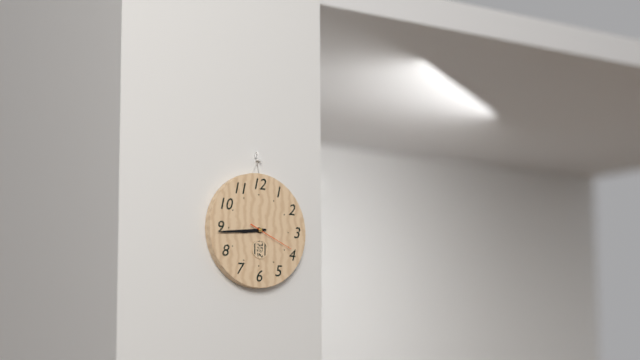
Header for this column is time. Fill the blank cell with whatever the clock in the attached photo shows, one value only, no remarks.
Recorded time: 8:44
